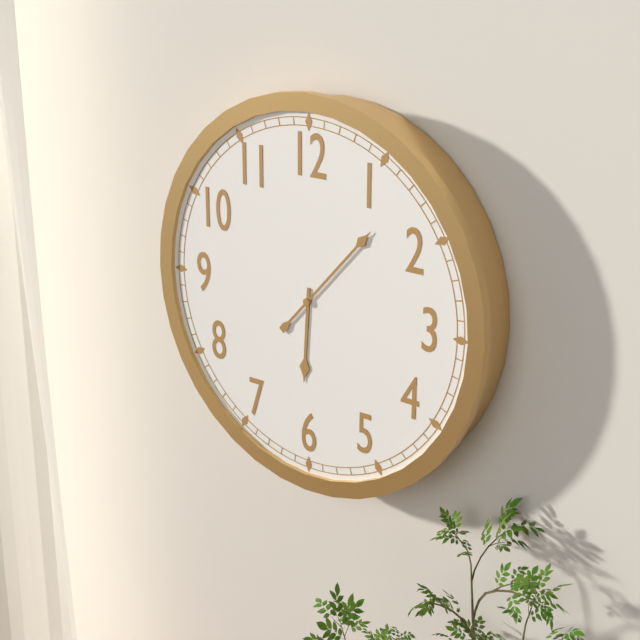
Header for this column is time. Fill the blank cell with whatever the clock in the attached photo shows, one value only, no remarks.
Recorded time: 6:07
